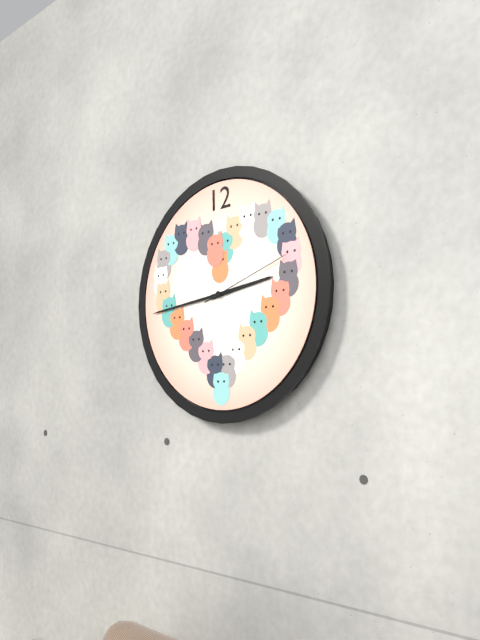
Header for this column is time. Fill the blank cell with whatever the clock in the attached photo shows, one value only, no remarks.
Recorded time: 2:44:12
